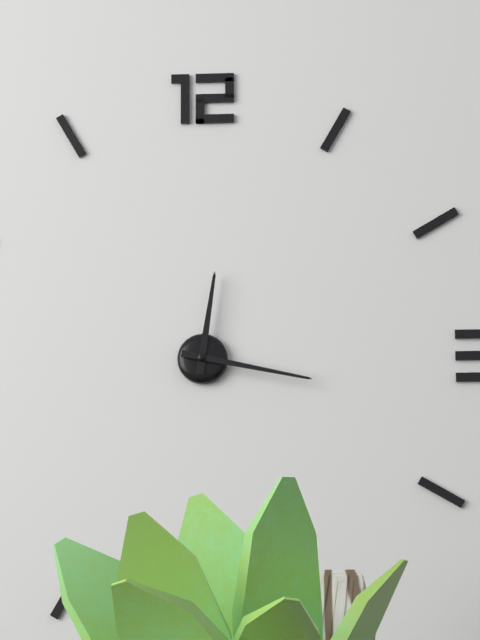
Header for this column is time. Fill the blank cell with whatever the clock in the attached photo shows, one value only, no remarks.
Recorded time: 12:17
